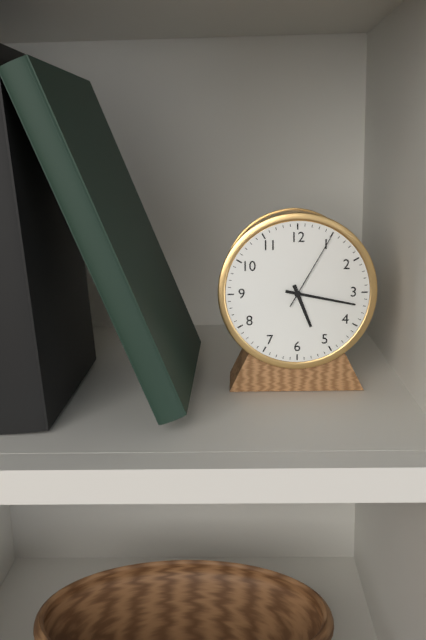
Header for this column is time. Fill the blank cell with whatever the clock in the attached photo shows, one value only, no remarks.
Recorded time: 5:17:05
